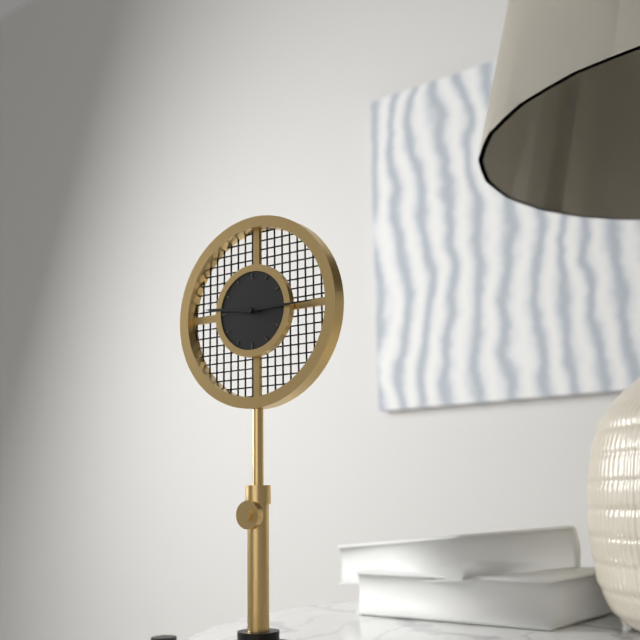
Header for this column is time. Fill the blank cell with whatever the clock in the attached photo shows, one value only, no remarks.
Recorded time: 9:15
